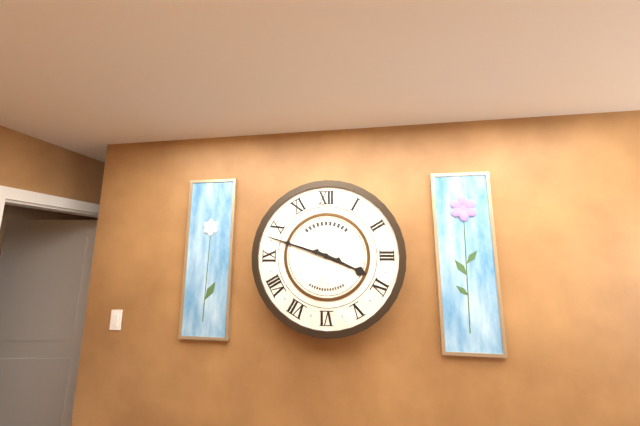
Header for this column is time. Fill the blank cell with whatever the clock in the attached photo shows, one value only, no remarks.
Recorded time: 3:48
